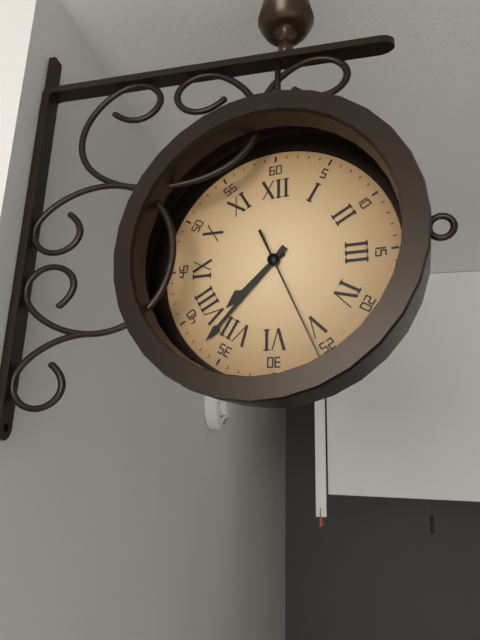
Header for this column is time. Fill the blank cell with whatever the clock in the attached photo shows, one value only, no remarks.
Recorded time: 7:37:26
